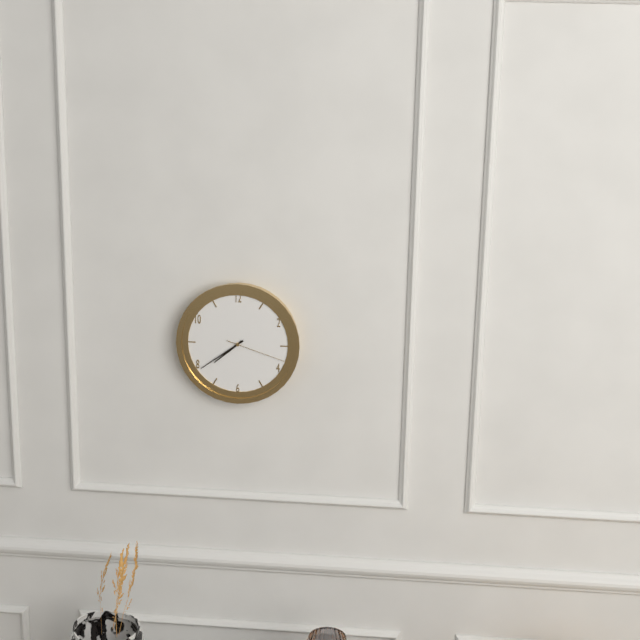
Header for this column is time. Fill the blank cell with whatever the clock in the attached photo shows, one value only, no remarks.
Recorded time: 7:39:18
